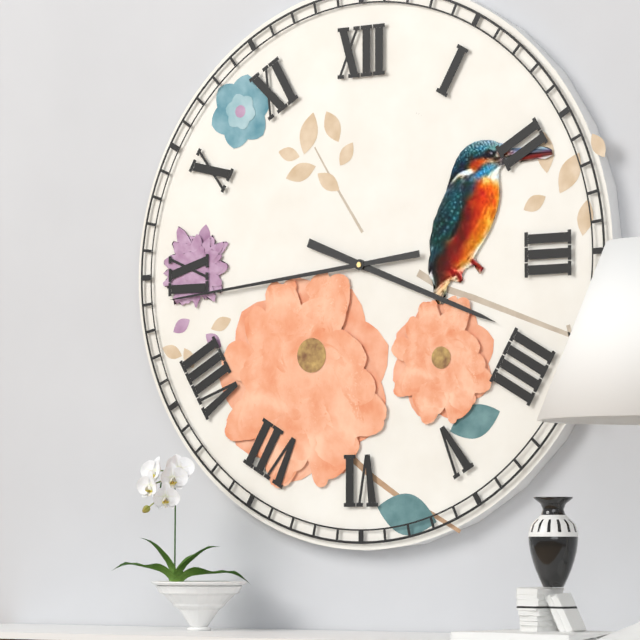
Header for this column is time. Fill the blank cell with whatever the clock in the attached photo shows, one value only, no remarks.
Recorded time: 3:44
